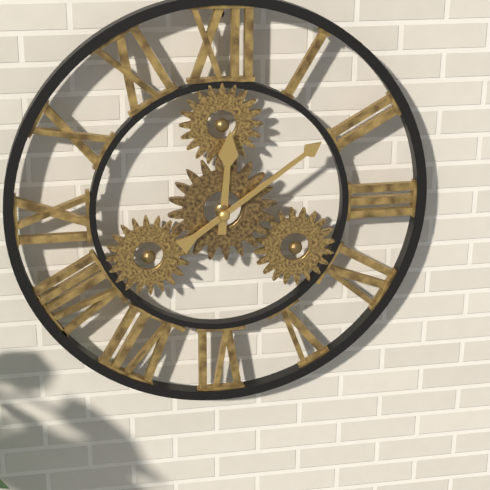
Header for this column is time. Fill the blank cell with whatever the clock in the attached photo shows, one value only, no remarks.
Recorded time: 12:09
